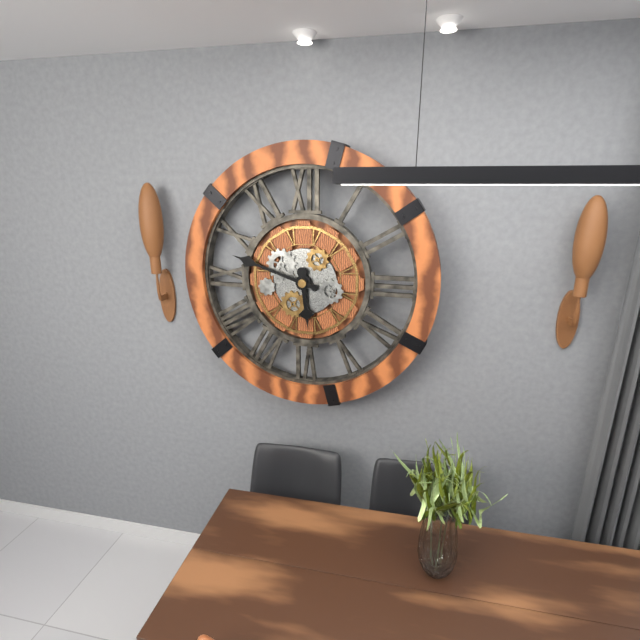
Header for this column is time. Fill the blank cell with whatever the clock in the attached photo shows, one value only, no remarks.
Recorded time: 5:48
